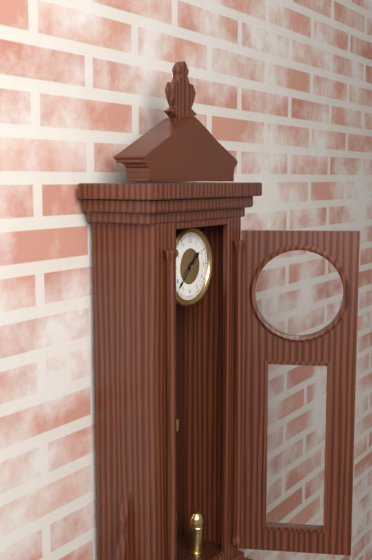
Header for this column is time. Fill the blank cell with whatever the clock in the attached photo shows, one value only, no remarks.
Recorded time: 1:38
